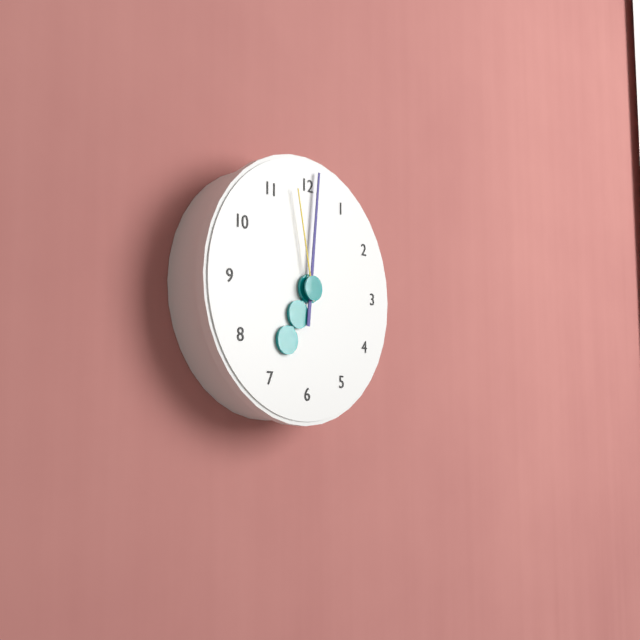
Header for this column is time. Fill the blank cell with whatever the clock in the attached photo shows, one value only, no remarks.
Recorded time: 7:01:58
